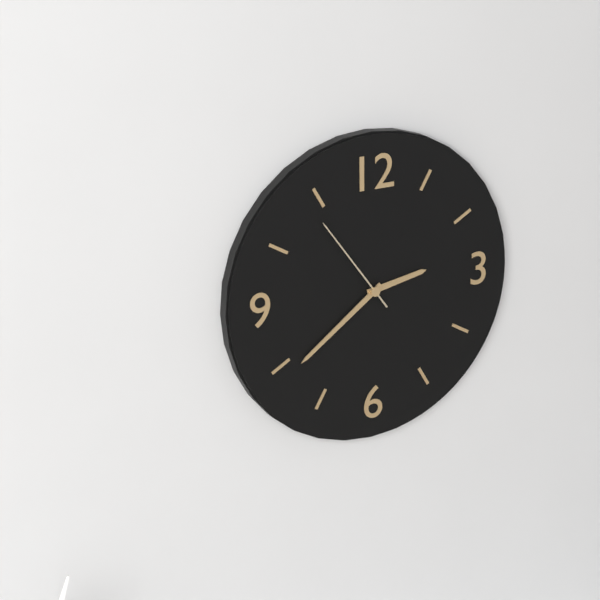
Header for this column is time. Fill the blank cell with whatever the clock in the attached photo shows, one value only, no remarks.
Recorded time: 2:39:54
